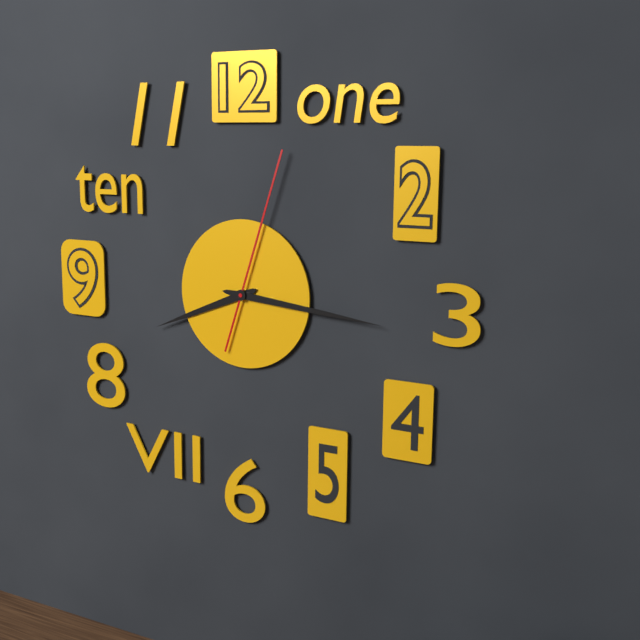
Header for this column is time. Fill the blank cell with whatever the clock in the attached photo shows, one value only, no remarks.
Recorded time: 8:16:03
